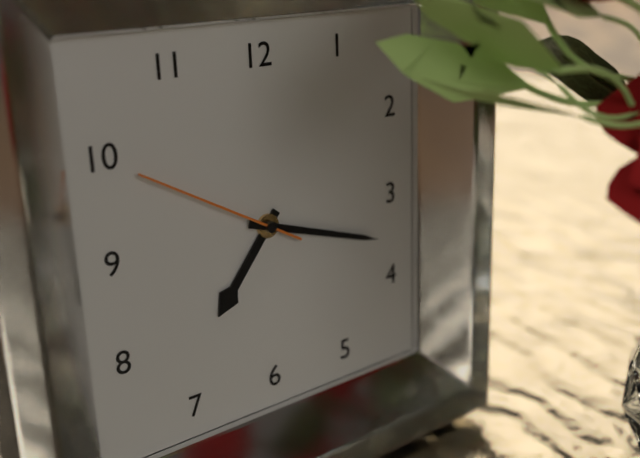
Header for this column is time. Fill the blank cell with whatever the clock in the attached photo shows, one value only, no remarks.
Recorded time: 7:18:50
